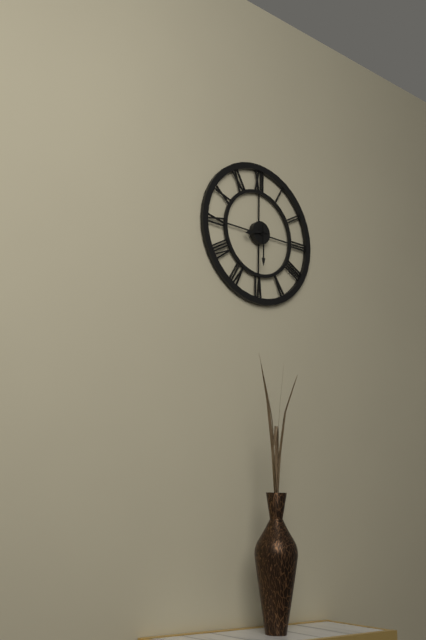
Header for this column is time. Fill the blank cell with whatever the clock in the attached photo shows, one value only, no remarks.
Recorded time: 8:30
